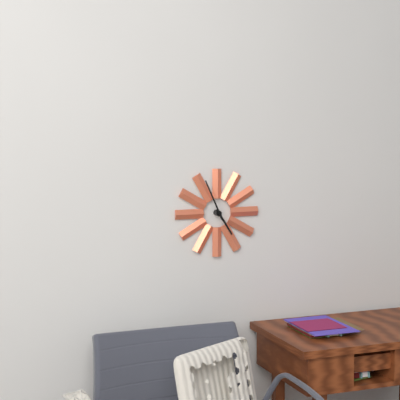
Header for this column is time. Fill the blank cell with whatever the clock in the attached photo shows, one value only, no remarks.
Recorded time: 4:56
